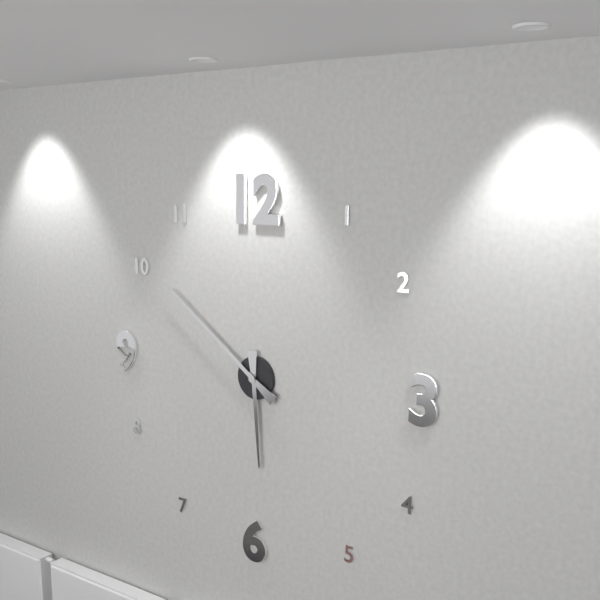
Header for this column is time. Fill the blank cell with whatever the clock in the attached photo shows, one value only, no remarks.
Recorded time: 5:51
